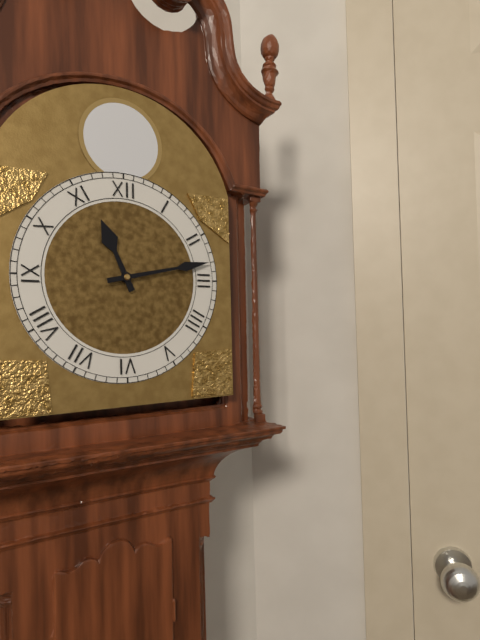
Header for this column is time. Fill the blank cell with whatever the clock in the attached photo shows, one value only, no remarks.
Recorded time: 11:13
